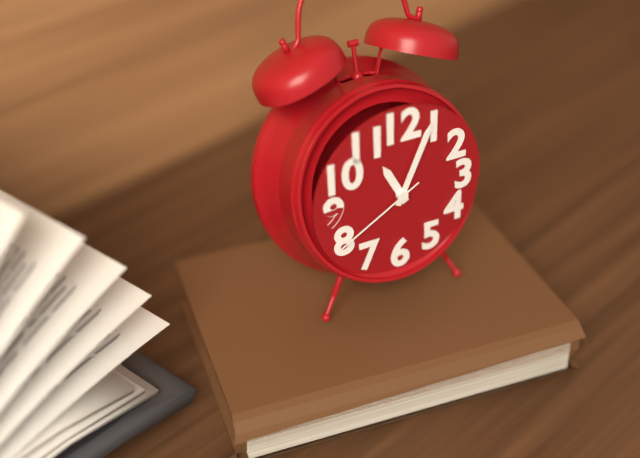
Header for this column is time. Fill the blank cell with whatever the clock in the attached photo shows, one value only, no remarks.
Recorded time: 11:04:40
